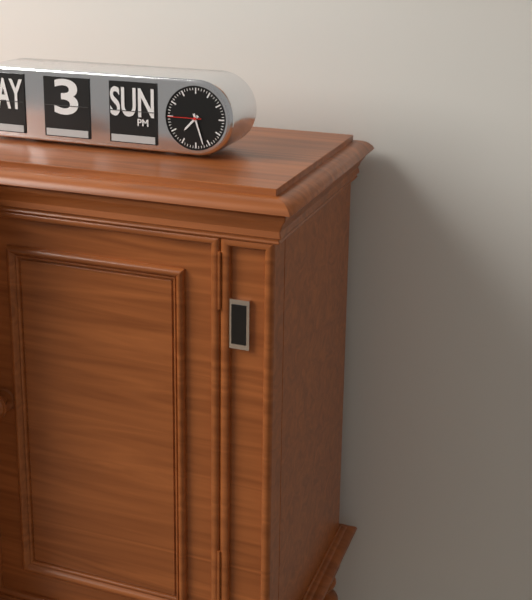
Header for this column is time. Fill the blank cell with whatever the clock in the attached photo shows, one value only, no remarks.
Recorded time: 7:27
